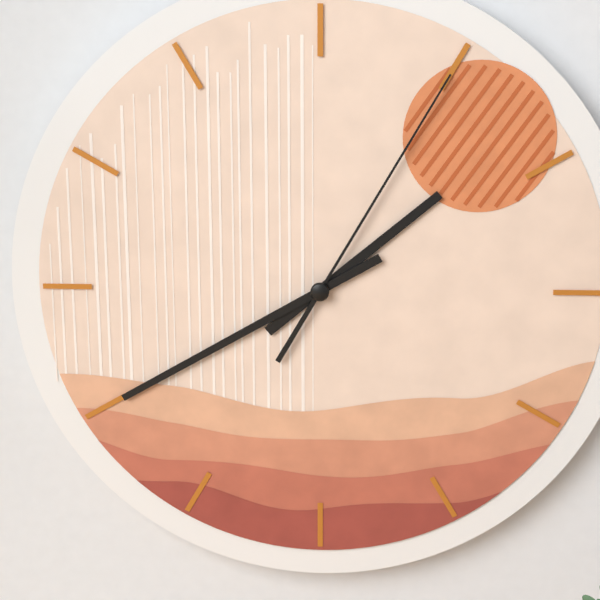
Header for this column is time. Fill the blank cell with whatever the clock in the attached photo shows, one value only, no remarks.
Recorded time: 1:40:05
